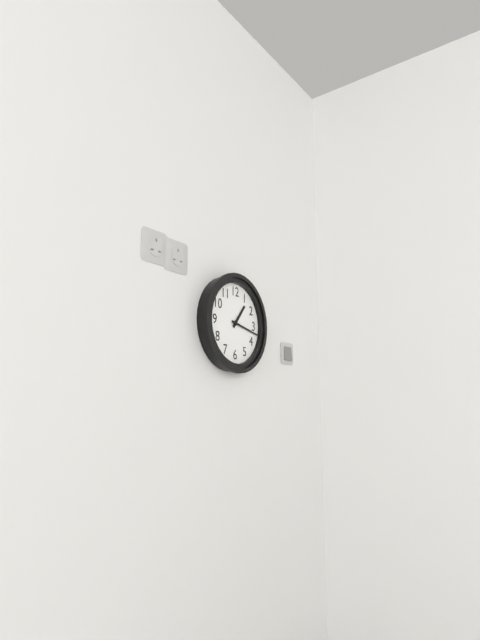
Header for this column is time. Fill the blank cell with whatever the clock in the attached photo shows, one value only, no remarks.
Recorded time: 1:17
